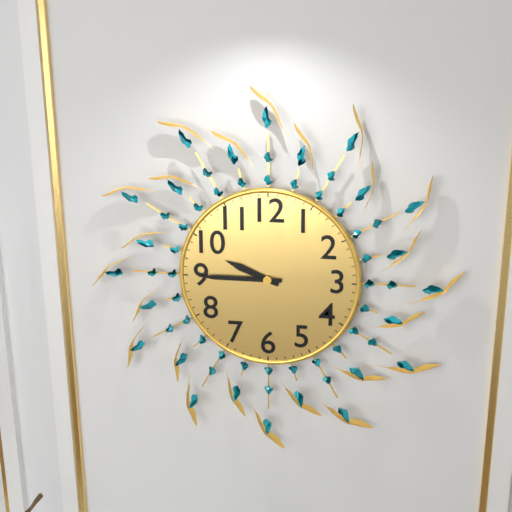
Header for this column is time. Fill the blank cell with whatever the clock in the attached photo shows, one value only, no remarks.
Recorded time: 9:45
